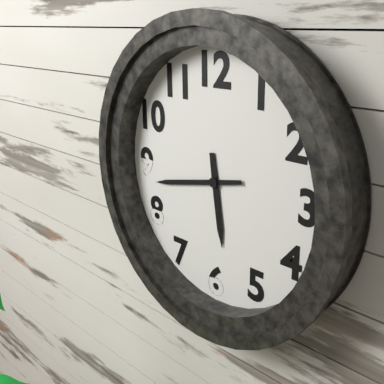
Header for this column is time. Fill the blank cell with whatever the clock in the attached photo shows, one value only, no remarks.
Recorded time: 5:43
